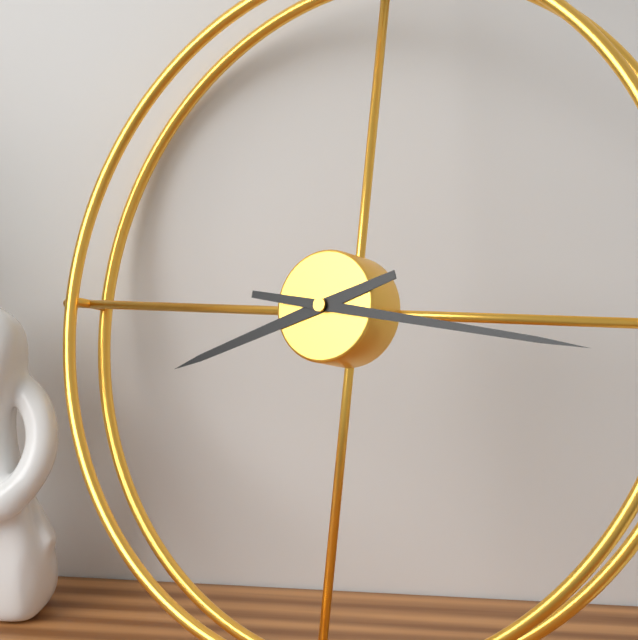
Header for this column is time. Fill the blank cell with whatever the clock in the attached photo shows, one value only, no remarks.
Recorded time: 8:16
